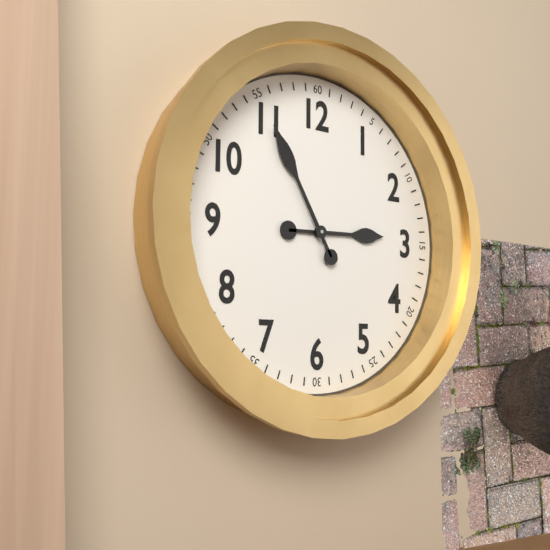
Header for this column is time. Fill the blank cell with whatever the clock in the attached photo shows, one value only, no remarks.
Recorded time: 2:55
